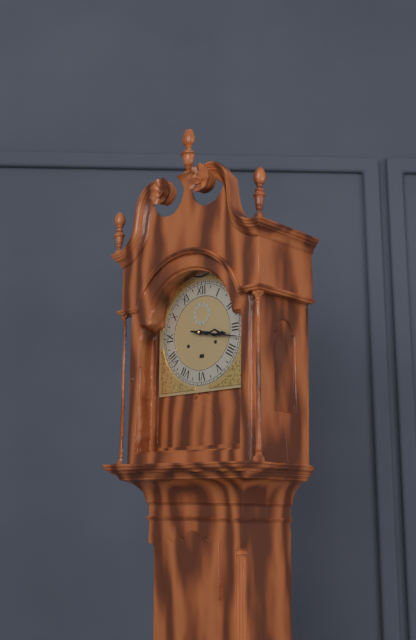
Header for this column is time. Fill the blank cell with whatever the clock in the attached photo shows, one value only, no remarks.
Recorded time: 3:17
